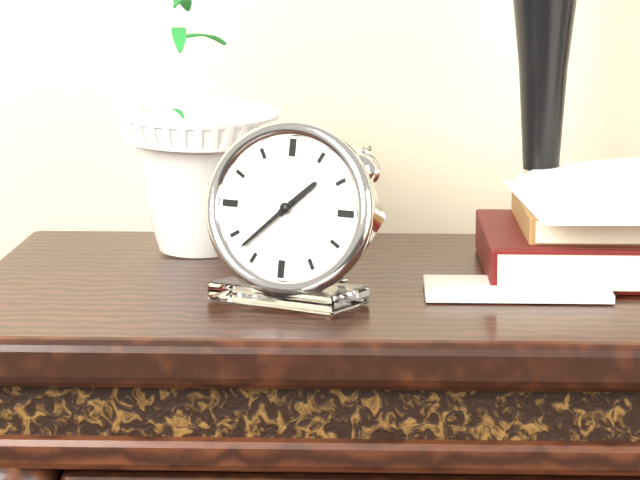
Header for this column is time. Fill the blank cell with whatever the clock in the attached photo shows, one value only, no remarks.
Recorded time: 1:38
